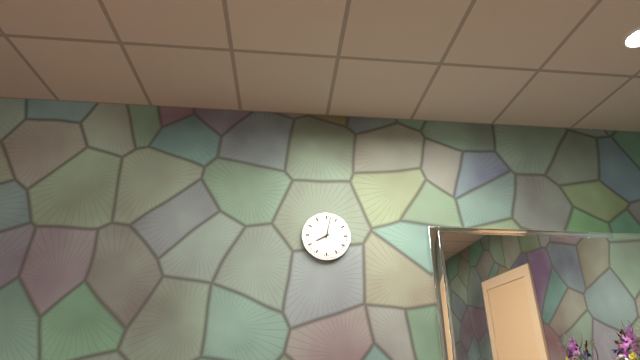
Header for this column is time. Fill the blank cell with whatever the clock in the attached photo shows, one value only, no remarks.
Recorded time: 8:02
